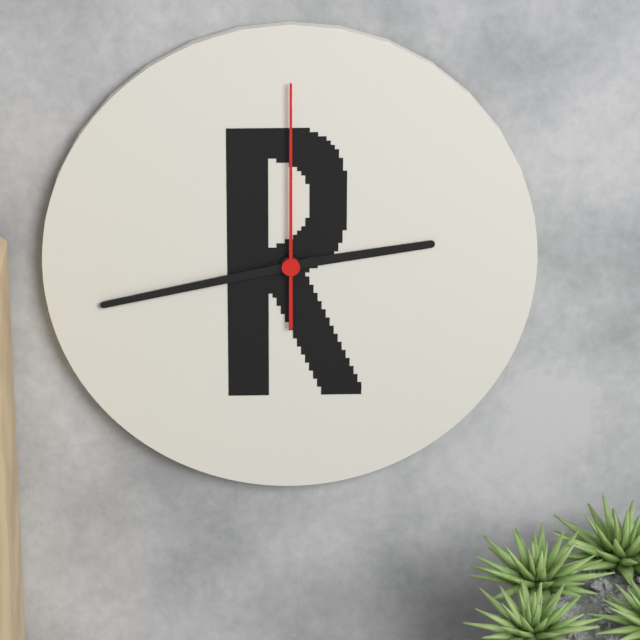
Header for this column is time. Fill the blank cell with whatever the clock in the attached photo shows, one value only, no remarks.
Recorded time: 2:43:00
